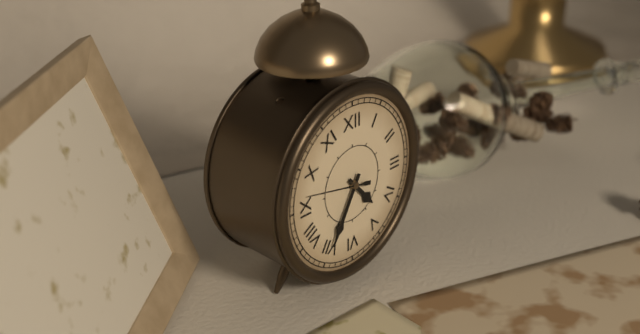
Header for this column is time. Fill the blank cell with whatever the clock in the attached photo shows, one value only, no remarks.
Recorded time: 4:35:47
